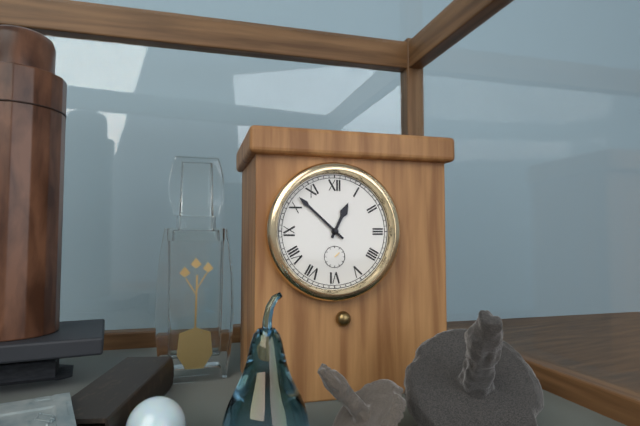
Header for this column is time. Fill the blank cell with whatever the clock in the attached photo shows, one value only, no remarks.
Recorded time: 12:52
